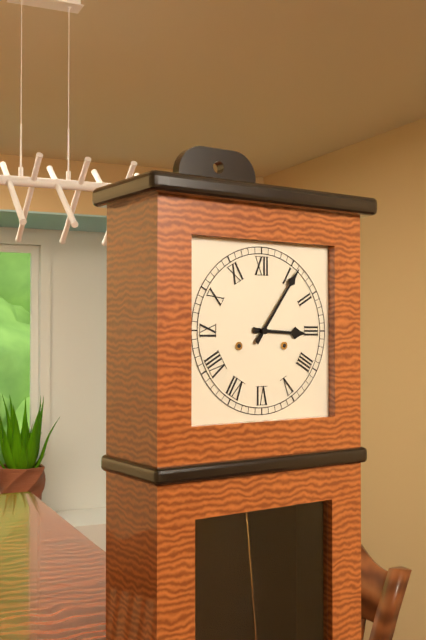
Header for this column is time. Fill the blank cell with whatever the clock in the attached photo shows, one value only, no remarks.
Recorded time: 3:06
